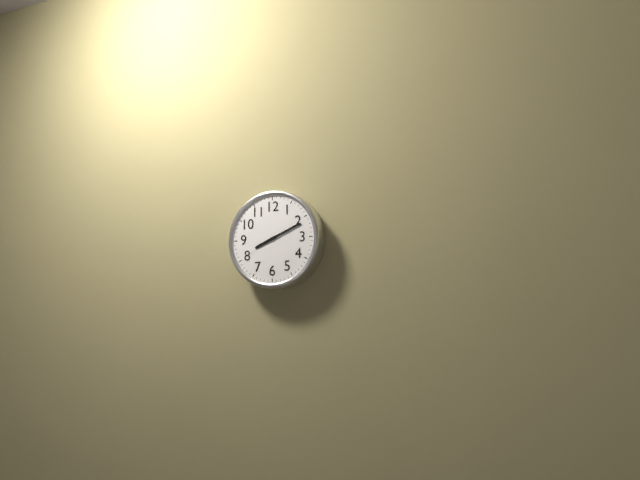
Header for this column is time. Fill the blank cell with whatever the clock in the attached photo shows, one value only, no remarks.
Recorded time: 8:11
